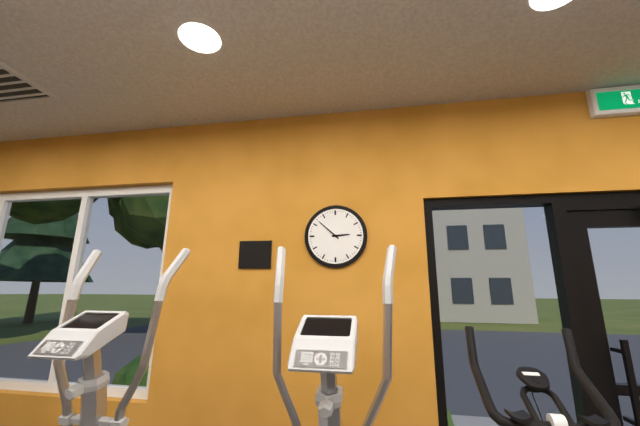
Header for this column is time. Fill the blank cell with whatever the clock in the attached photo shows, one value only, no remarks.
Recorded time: 2:52
